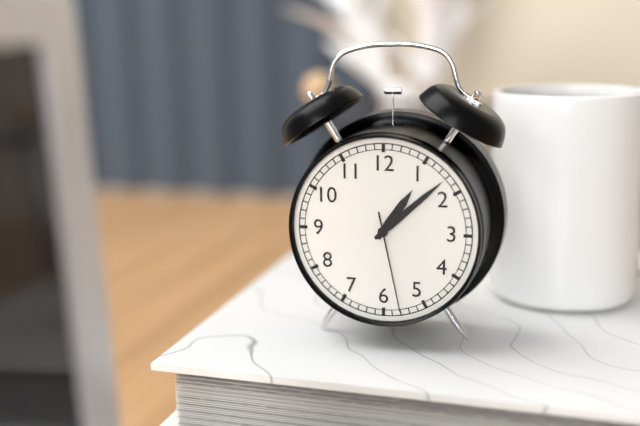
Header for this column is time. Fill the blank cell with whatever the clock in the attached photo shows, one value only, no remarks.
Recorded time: 1:08:28
